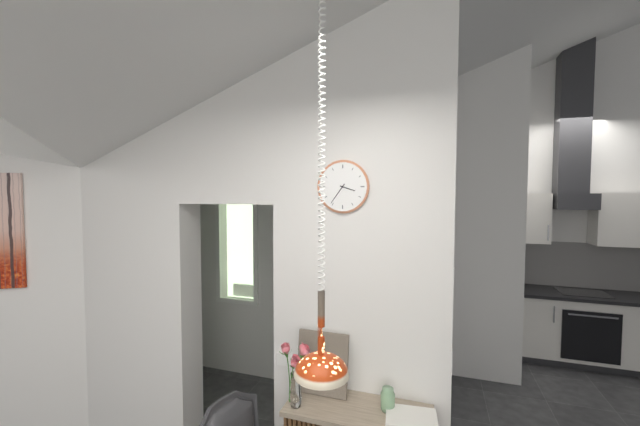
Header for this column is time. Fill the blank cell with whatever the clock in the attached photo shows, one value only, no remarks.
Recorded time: 3:36
